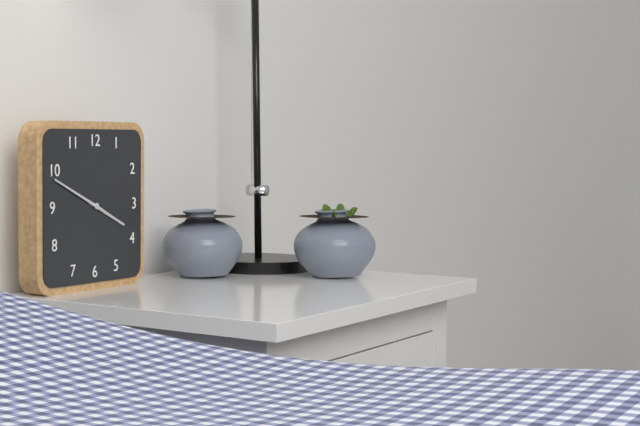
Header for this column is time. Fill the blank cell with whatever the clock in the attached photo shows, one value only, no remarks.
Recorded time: 3:49
